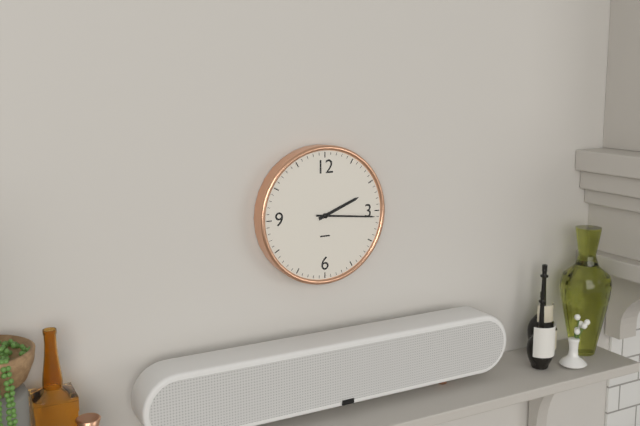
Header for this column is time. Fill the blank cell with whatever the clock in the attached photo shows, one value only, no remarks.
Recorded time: 2:16
